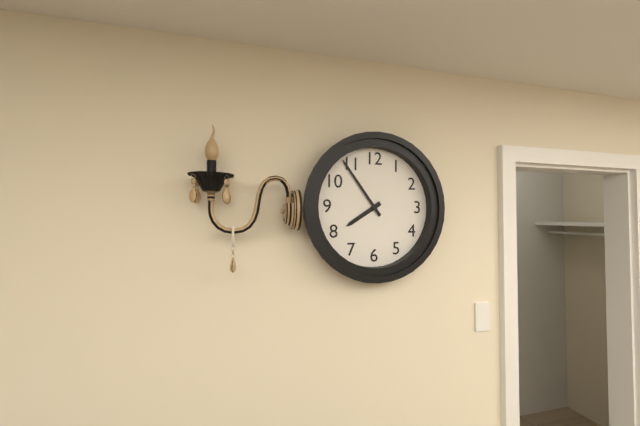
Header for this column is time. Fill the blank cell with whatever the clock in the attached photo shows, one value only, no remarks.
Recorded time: 7:54
